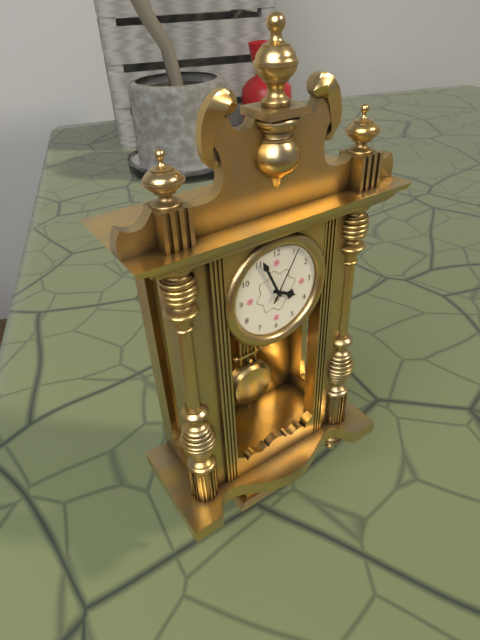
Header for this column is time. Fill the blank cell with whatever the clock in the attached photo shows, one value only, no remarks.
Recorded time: 3:56:05
